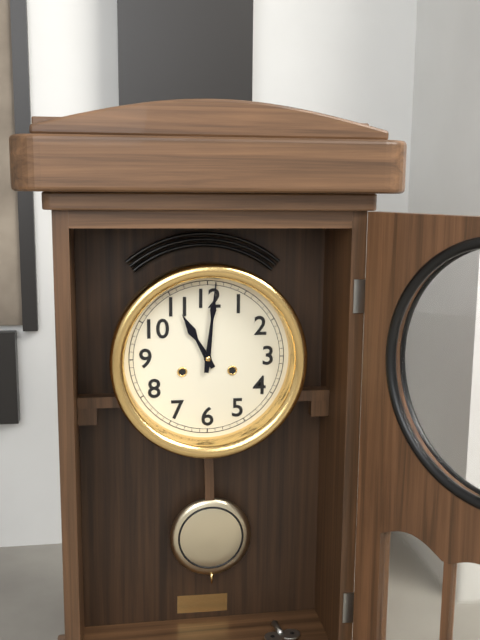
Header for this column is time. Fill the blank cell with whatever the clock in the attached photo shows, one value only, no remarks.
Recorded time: 11:01
